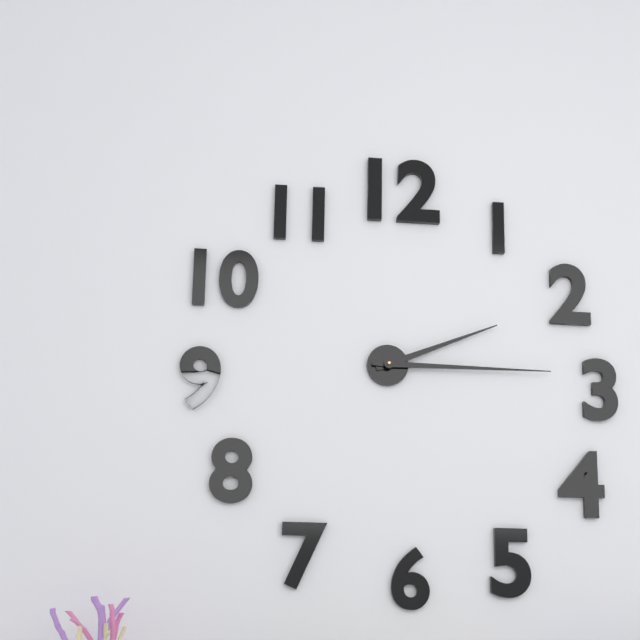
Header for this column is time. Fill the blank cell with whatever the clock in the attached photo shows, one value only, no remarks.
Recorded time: 2:15
